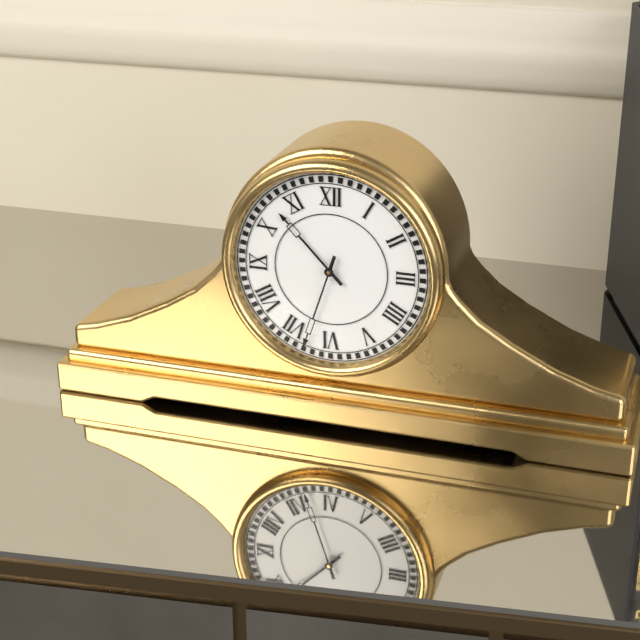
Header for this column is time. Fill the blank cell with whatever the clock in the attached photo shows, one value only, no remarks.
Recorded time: 10:33
